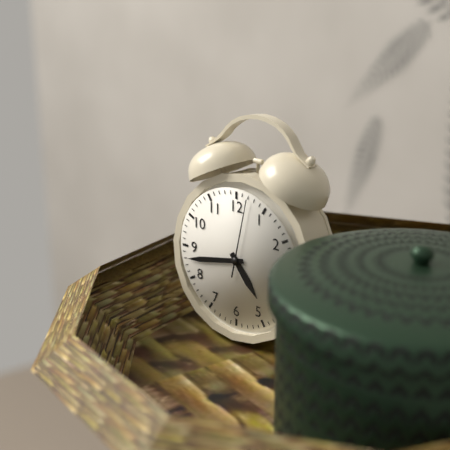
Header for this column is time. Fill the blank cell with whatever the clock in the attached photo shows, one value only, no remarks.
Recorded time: 4:43:02
